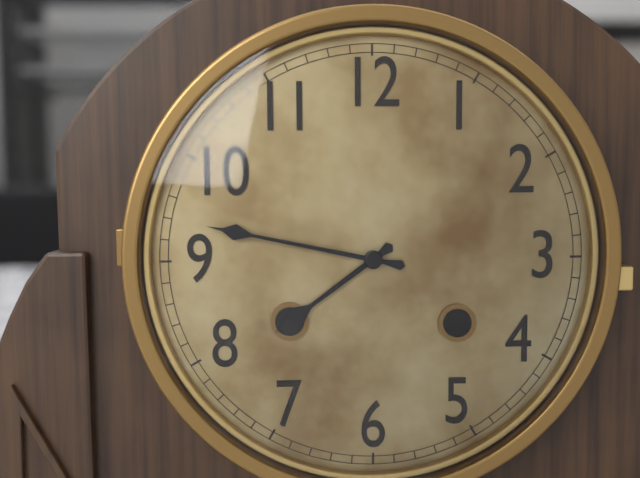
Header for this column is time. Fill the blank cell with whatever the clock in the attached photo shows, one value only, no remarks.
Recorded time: 7:47
